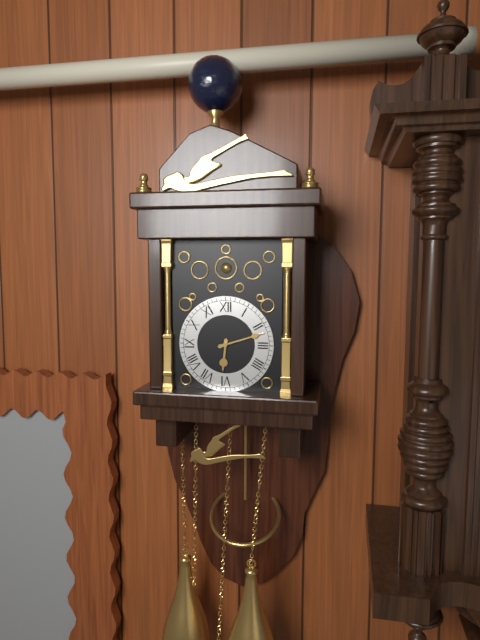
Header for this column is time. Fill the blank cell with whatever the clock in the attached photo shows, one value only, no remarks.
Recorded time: 6:12
